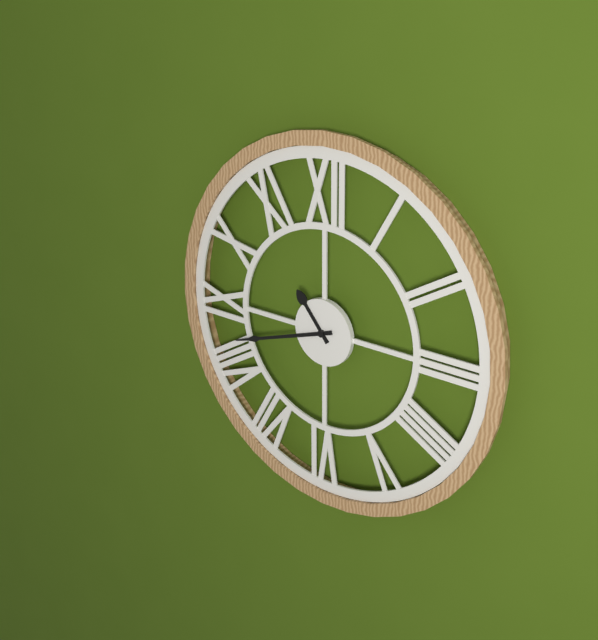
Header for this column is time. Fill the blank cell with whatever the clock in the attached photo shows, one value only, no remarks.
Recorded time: 10:42
